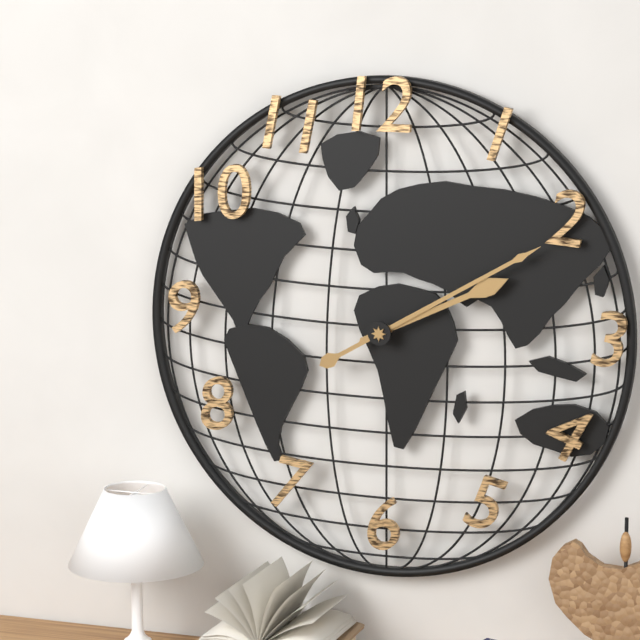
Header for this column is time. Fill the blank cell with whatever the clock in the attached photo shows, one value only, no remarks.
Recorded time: 2:10
